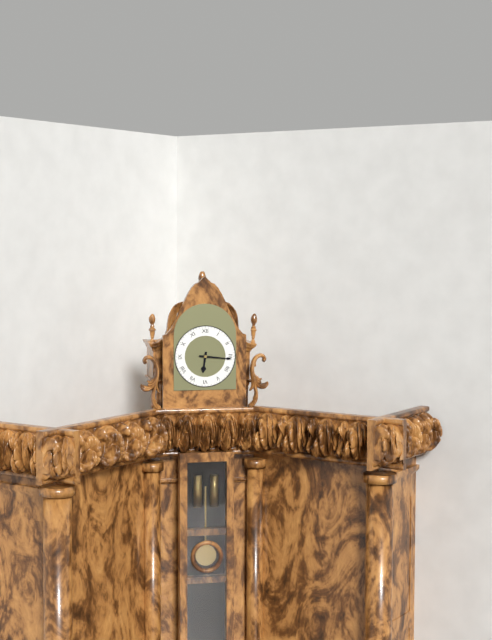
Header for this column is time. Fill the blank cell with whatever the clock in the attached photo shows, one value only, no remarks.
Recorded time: 6:16
